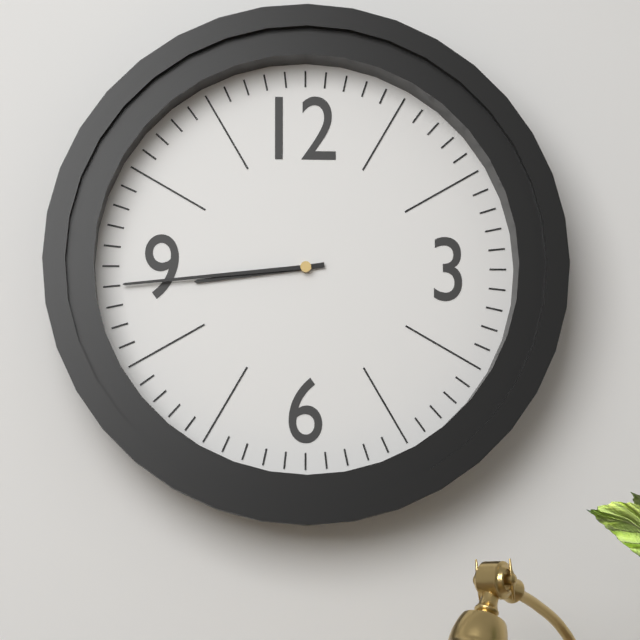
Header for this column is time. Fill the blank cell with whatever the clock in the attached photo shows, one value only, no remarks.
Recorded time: 8:44
